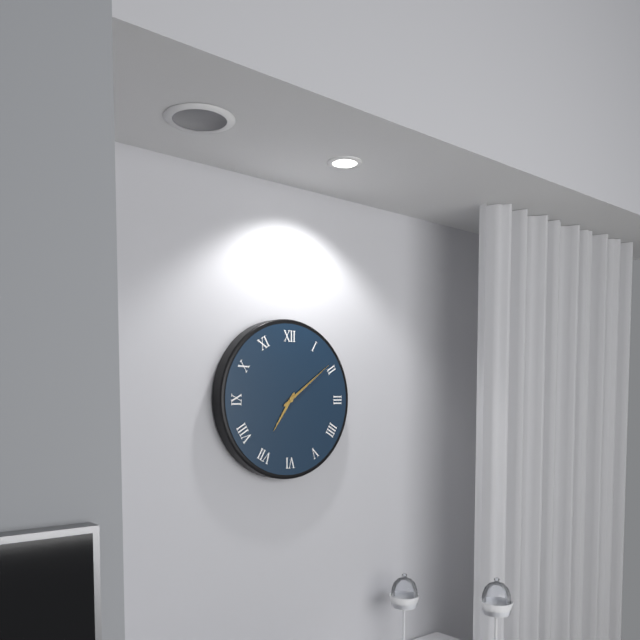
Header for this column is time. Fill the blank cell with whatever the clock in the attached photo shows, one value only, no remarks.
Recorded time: 7:09
